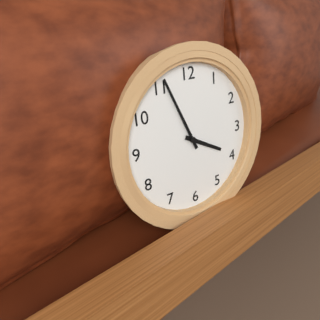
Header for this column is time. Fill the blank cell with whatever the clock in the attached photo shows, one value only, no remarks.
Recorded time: 3:56
